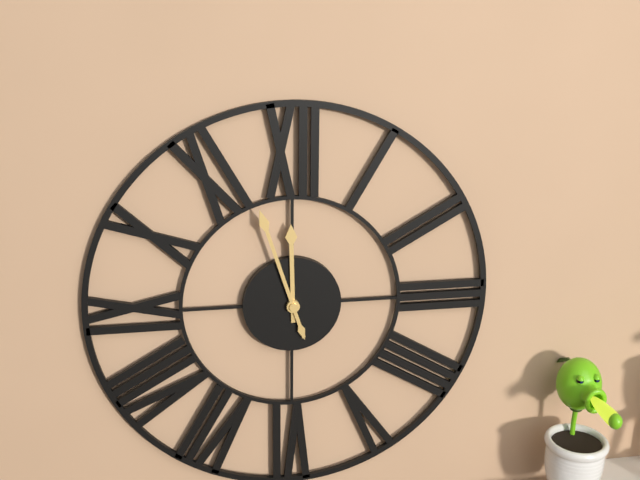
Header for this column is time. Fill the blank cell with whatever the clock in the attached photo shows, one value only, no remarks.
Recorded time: 11:57
